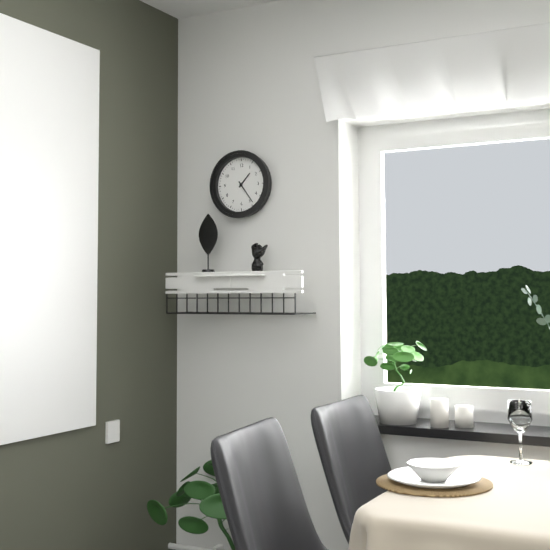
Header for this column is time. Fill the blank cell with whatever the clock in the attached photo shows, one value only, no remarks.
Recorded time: 1:24
